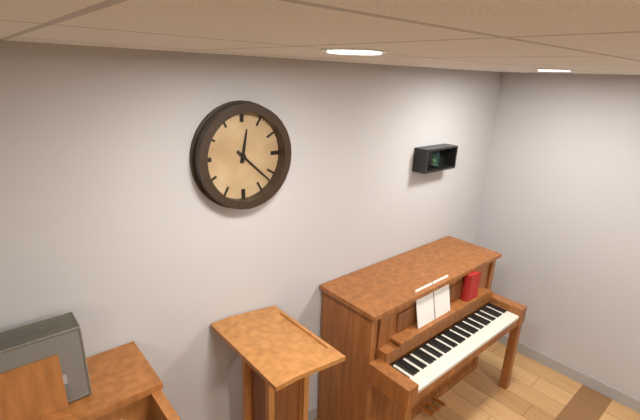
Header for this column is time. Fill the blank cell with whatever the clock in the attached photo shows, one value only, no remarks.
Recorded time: 12:22
